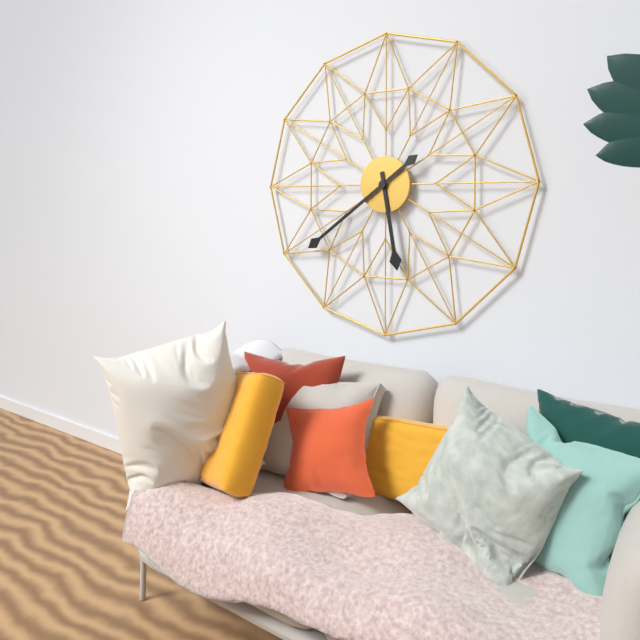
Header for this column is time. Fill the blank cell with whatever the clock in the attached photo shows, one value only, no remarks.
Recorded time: 5:39
